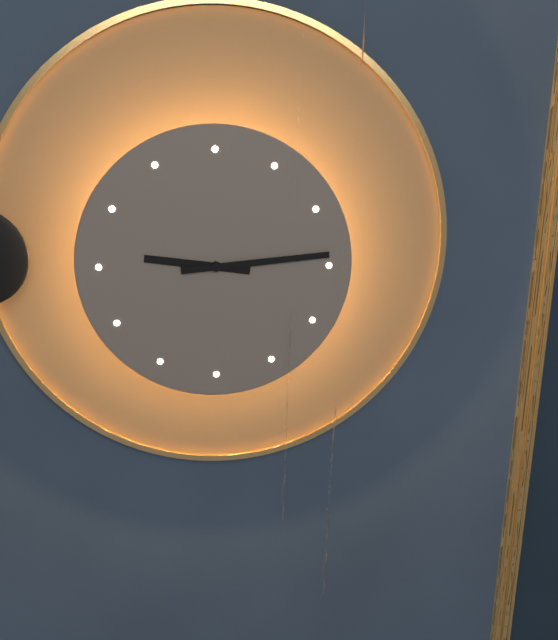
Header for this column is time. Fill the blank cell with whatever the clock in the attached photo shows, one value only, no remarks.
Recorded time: 9:14
